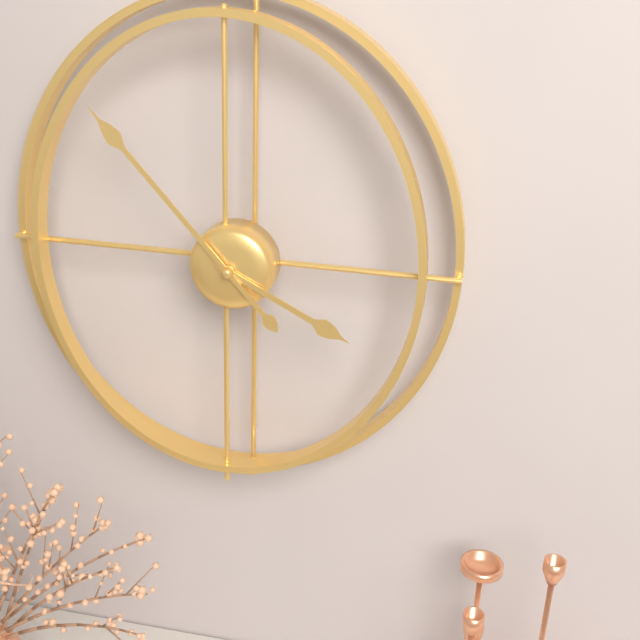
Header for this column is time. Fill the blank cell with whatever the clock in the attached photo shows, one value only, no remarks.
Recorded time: 3:53
